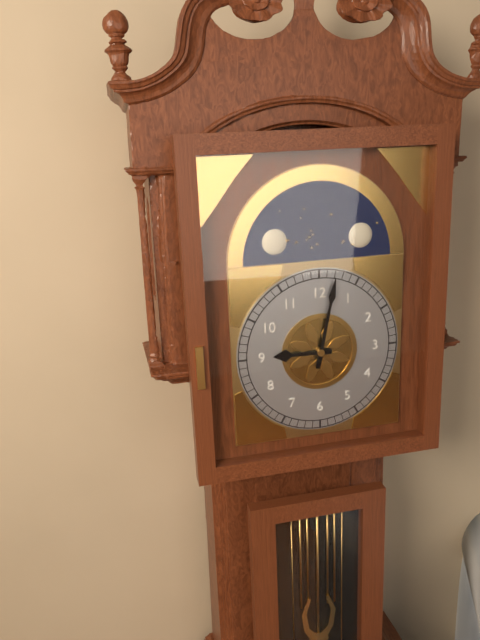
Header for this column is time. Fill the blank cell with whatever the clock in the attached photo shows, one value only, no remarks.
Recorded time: 9:02
